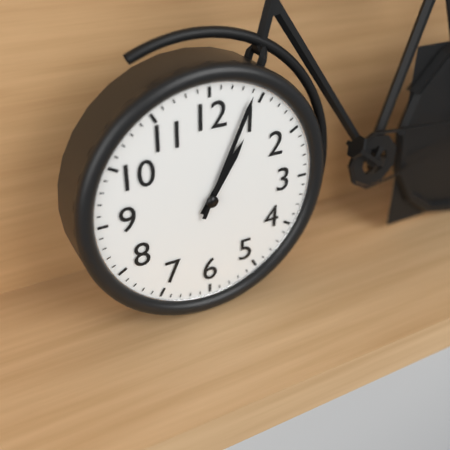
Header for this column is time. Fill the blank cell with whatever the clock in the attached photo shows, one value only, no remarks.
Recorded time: 1:04
